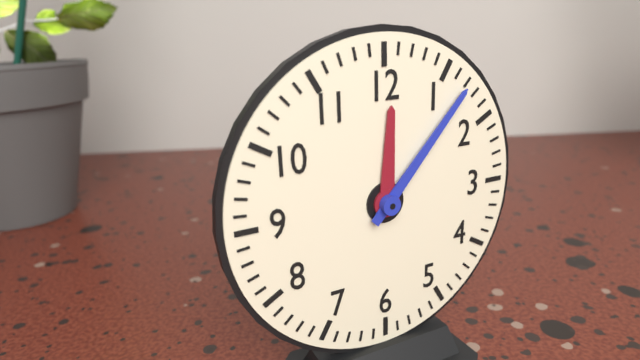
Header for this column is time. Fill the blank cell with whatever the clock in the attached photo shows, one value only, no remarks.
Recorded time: 12:07
